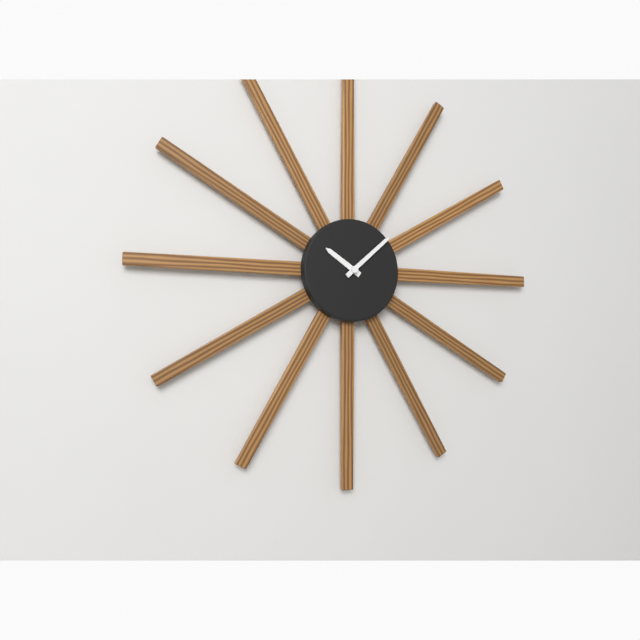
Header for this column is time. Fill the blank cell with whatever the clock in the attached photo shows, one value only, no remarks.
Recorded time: 10:08
